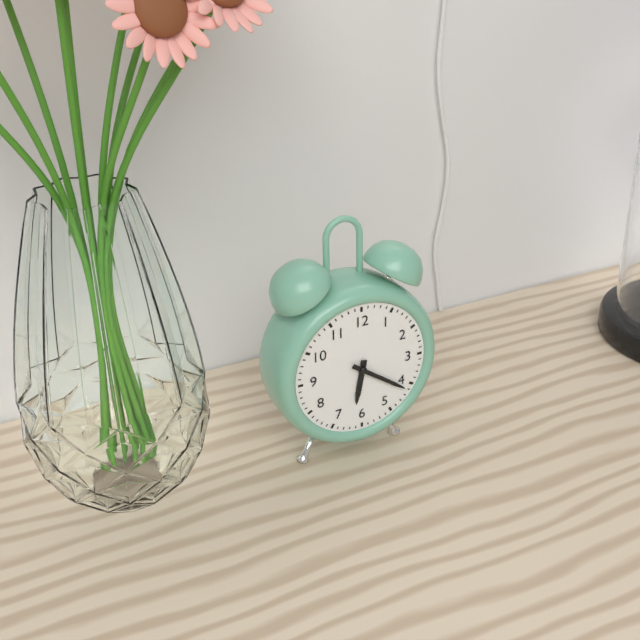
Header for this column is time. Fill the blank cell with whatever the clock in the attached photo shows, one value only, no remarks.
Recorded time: 6:21
